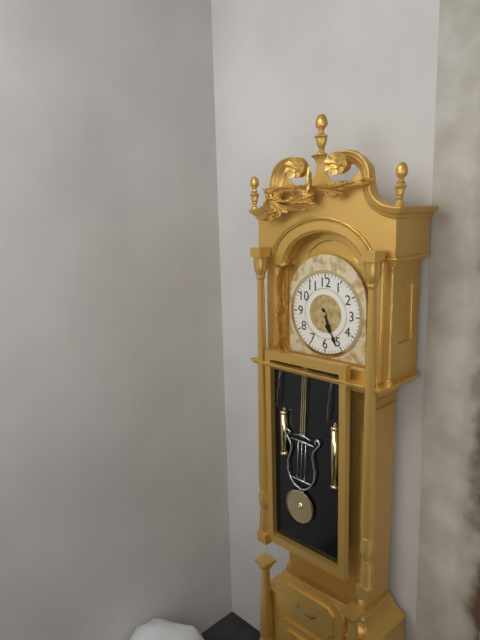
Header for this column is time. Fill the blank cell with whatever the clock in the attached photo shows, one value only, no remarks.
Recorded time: 5:26
